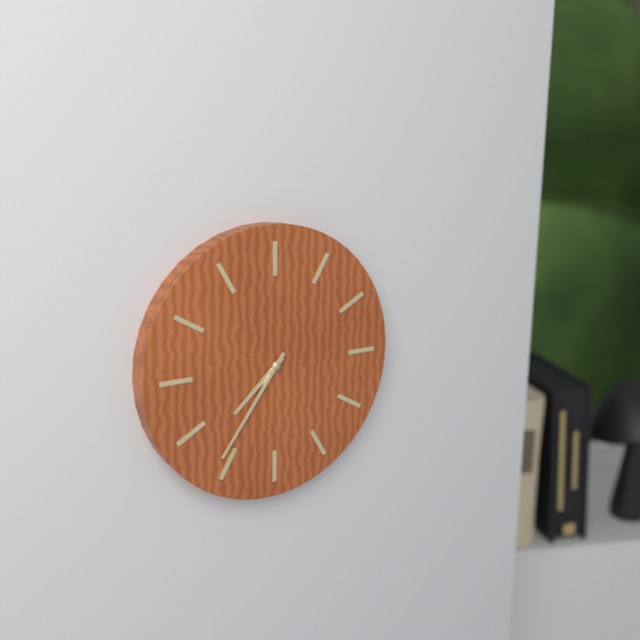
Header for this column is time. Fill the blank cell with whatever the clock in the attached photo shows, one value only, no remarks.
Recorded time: 7:36
